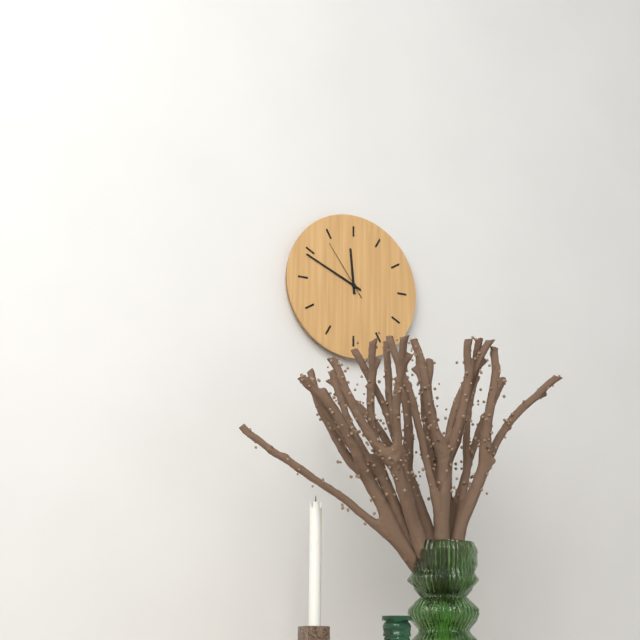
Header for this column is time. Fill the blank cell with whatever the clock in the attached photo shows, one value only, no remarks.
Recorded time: 11:49:54
